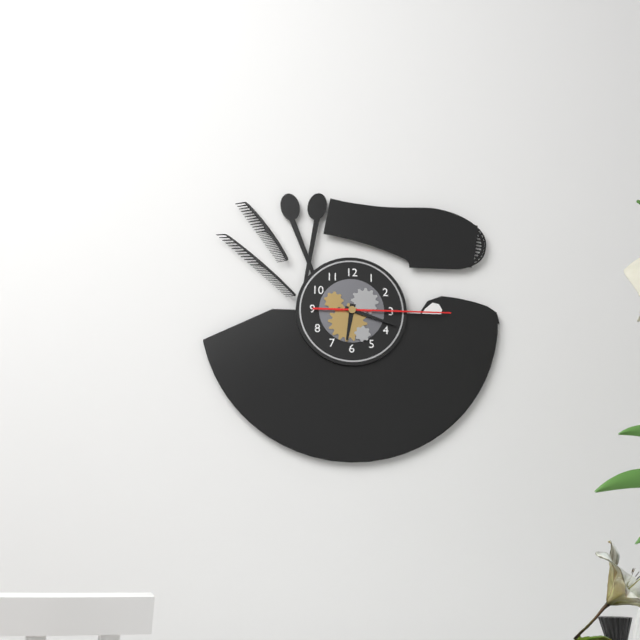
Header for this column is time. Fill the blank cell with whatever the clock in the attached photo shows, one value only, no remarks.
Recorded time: 6:18:15
